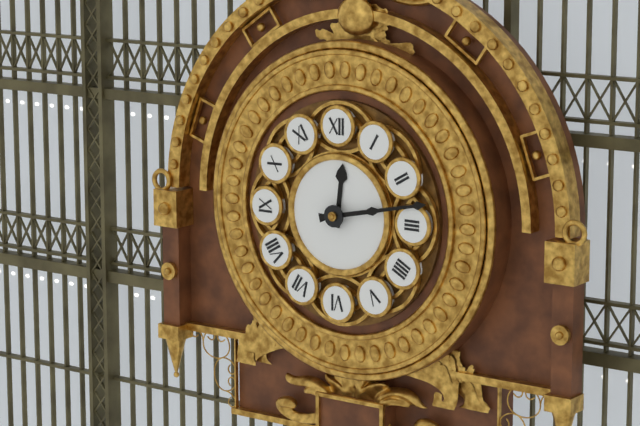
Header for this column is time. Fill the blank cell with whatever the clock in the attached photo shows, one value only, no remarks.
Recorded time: 12:13
